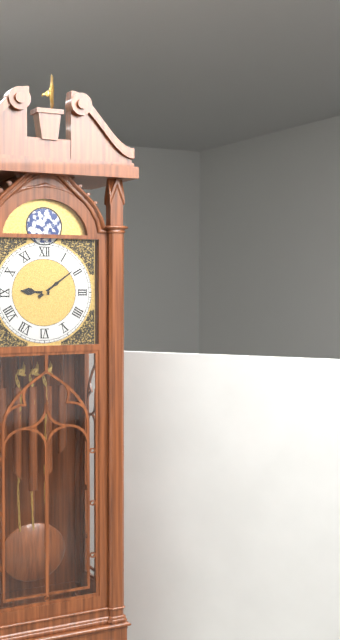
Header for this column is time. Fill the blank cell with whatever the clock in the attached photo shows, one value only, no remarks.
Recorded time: 9:09
